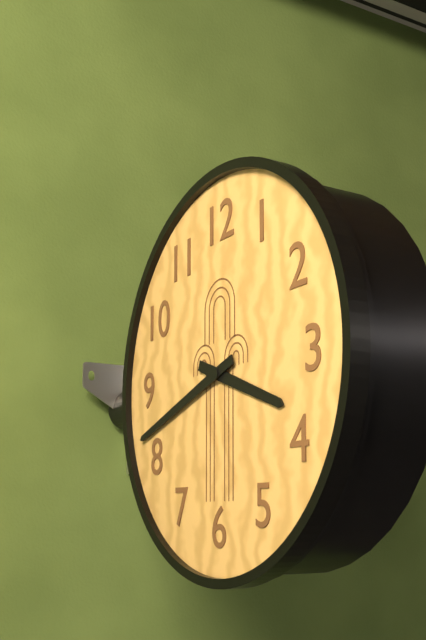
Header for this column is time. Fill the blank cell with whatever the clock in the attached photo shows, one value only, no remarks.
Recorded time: 3:42
